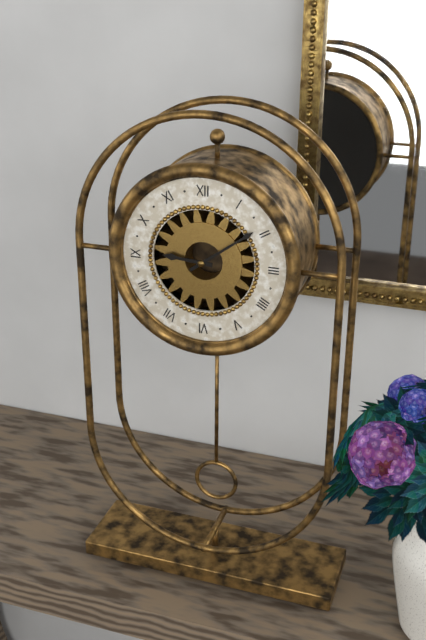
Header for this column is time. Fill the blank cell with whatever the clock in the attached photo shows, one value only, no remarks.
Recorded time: 9:09
